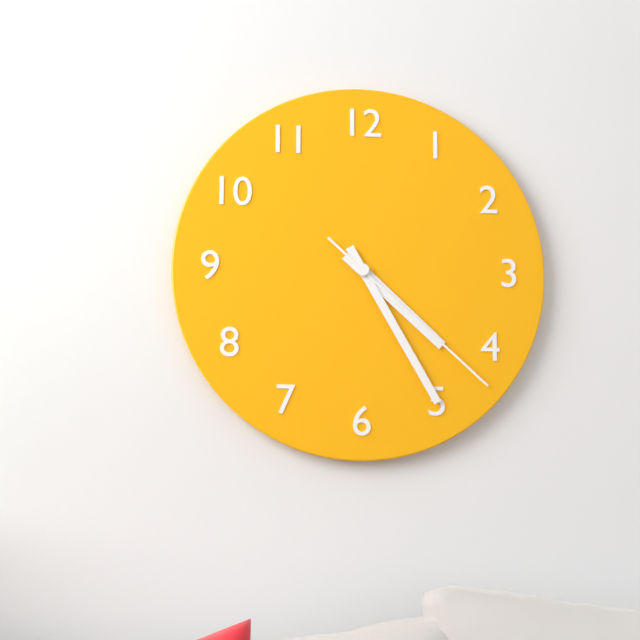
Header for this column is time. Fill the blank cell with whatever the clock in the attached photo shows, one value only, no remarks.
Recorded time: 4:25:22
